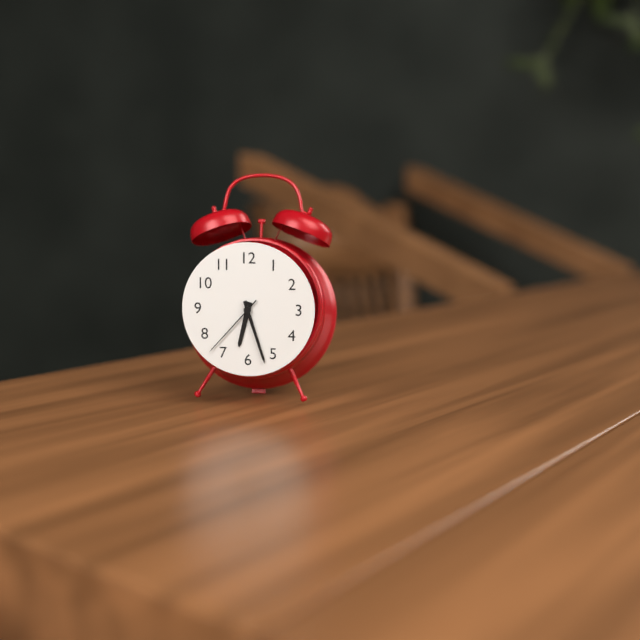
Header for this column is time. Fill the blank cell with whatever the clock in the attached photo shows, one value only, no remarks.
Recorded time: 6:27:37
